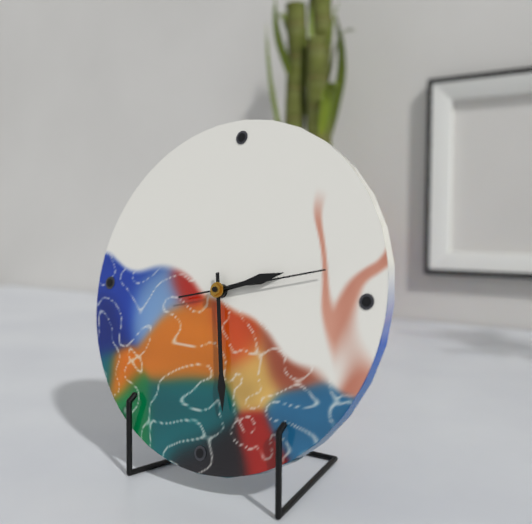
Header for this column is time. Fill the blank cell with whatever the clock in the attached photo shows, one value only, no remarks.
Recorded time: 2:28:13
